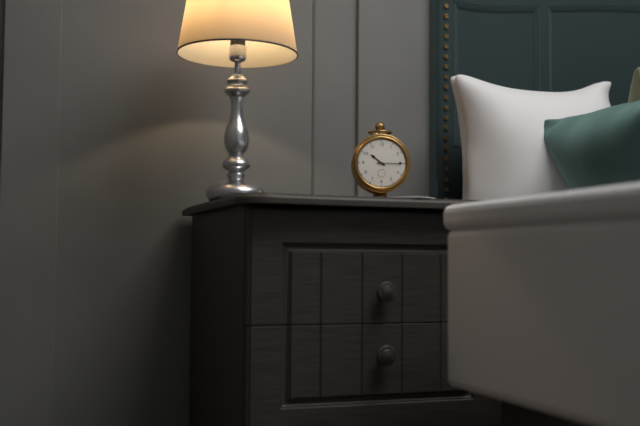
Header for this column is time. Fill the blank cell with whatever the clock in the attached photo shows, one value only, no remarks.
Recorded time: 10:15
